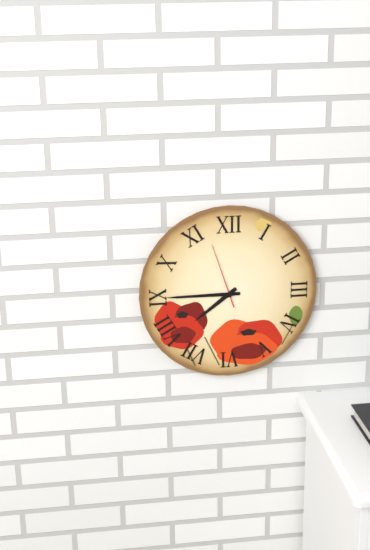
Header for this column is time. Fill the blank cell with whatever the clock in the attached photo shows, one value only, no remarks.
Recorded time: 7:45:57
